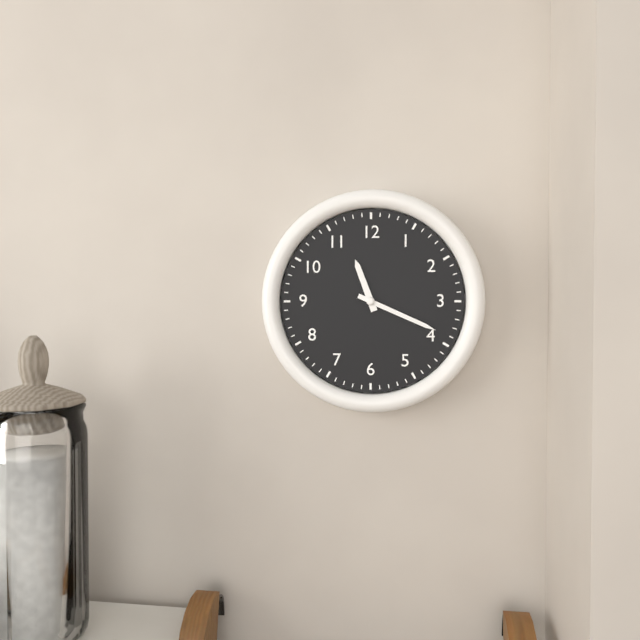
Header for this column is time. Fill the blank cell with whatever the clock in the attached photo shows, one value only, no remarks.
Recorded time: 11:19
